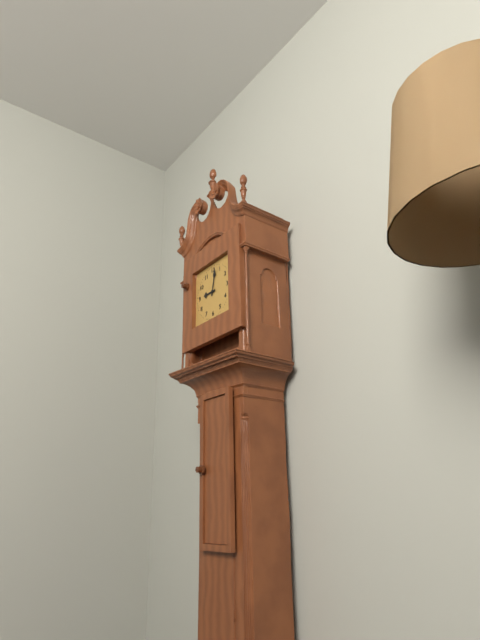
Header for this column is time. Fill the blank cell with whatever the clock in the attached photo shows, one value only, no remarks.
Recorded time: 9:02
